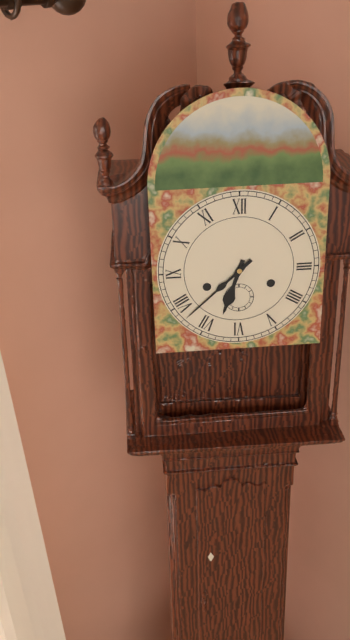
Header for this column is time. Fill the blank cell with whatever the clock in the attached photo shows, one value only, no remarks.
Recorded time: 6:38
